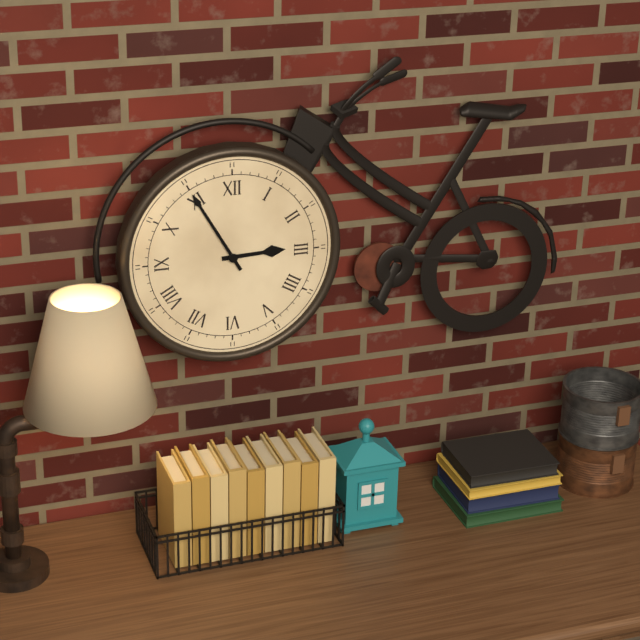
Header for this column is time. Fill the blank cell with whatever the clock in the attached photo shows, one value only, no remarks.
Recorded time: 2:55
